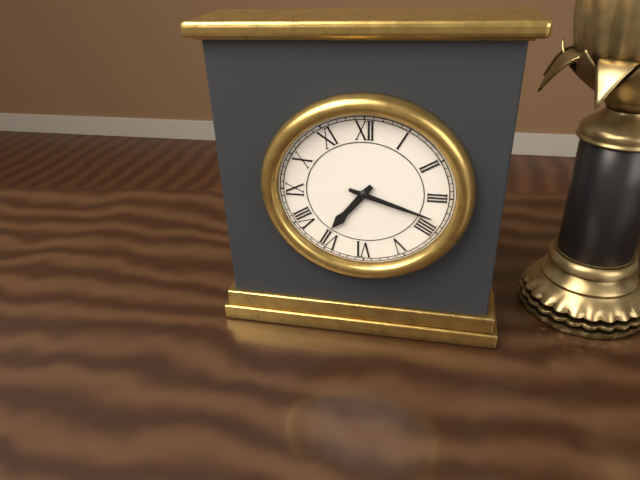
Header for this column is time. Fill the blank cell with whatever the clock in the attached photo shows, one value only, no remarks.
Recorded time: 7:18
